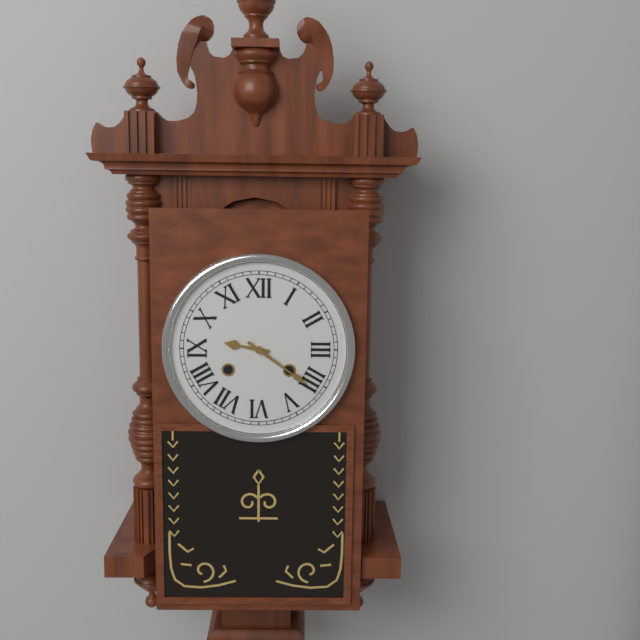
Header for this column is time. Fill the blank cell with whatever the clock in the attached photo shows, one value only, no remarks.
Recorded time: 9:21
